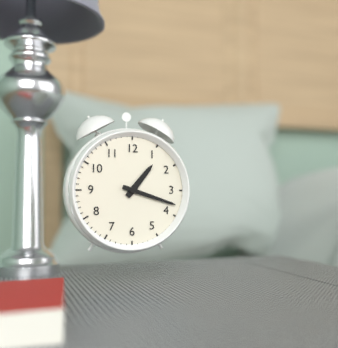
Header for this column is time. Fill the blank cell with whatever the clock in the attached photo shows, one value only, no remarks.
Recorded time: 1:18
